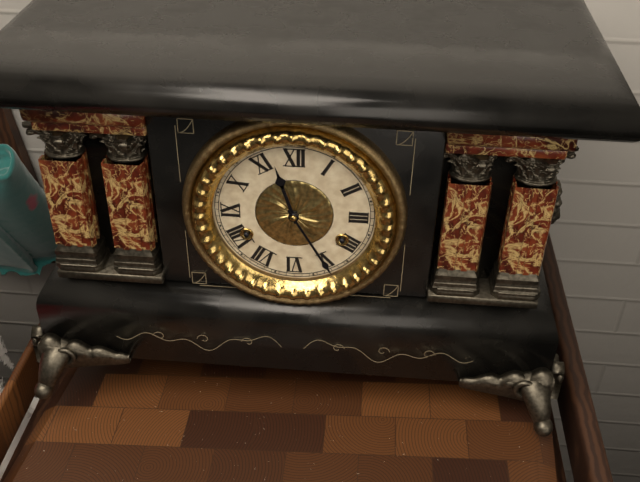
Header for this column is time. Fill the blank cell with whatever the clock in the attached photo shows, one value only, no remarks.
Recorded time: 11:25
